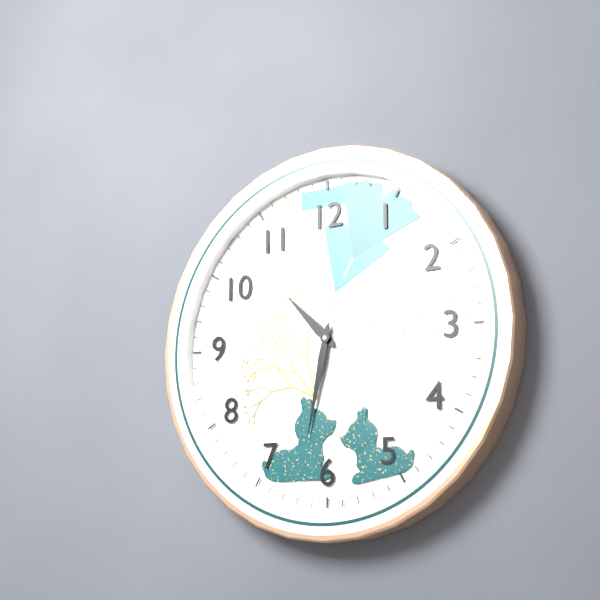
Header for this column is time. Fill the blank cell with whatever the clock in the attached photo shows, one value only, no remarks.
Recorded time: 10:32
